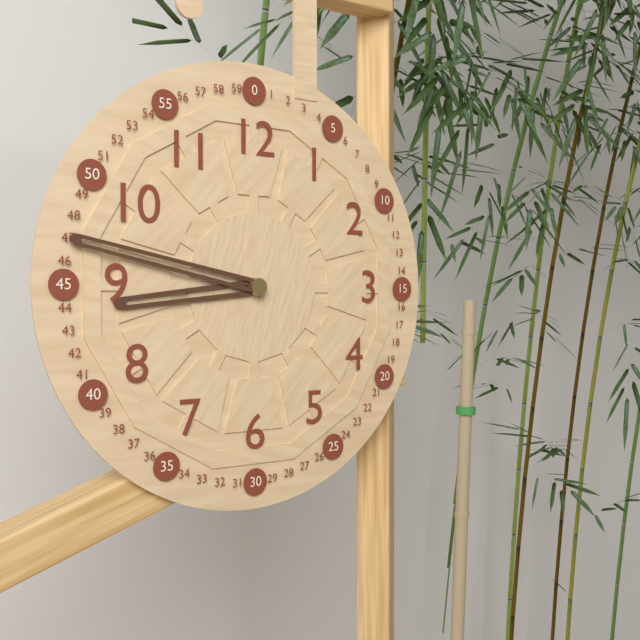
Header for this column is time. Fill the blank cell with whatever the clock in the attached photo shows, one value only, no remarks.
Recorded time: 8:47
